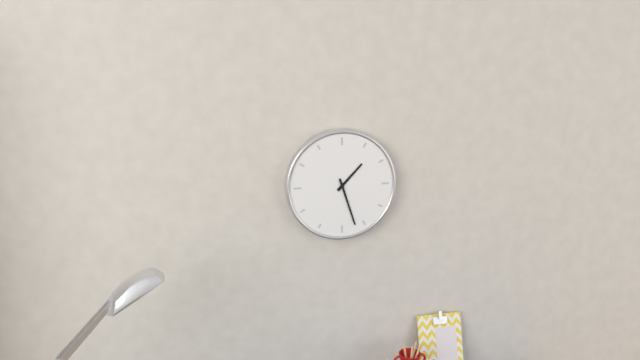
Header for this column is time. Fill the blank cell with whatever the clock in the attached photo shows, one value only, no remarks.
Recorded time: 1:27
